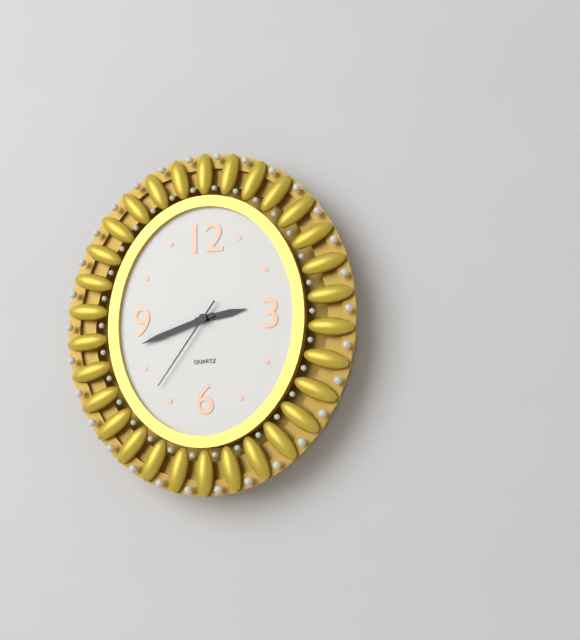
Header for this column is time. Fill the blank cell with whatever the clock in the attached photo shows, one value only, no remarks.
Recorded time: 2:42:36
